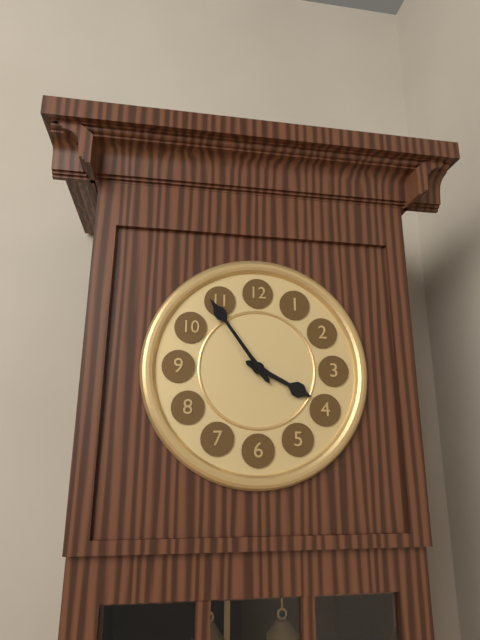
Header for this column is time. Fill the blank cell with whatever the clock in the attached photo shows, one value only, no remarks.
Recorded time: 3:54
